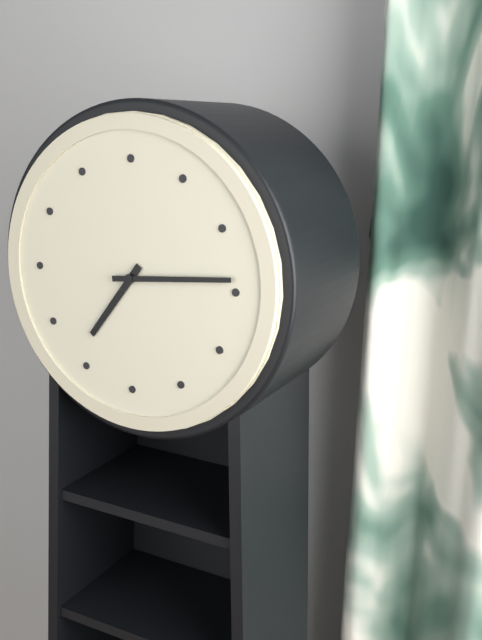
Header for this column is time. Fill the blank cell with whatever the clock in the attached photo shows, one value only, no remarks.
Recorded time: 7:14
